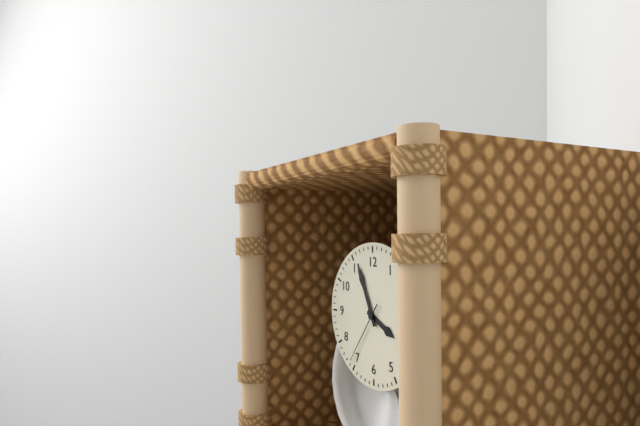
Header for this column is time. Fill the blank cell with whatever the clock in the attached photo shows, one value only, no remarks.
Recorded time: 3:56:36
